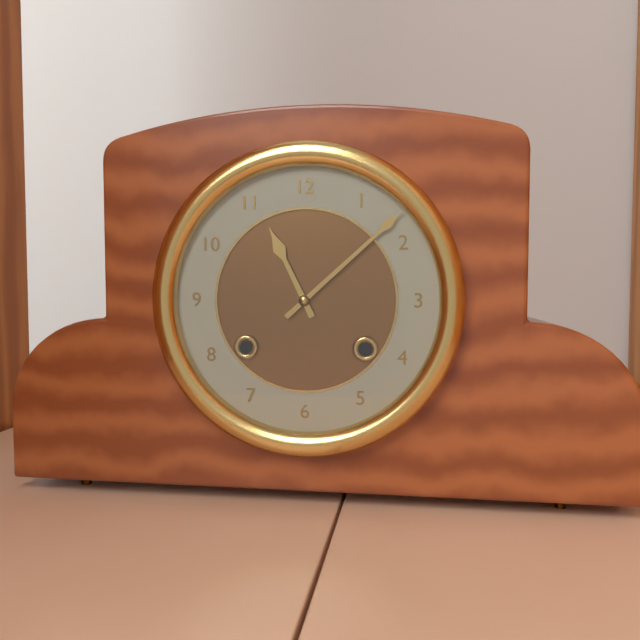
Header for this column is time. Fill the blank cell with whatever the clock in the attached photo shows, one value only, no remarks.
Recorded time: 11:08
